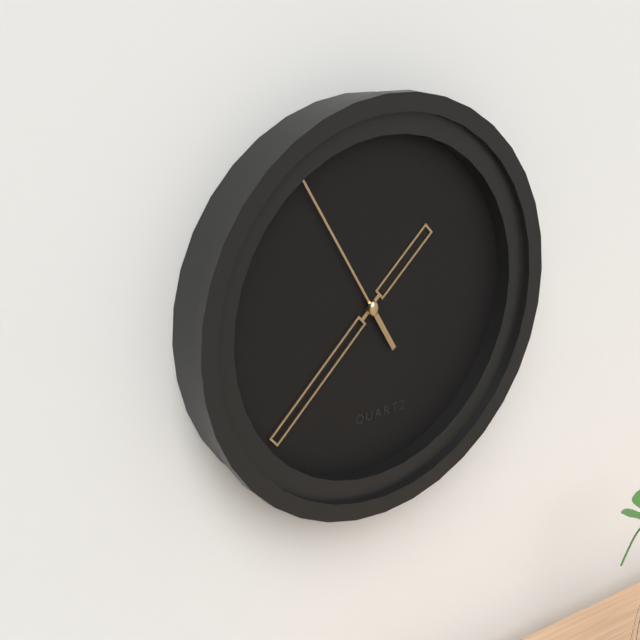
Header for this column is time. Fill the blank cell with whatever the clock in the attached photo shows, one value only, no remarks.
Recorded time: 1:38:55
